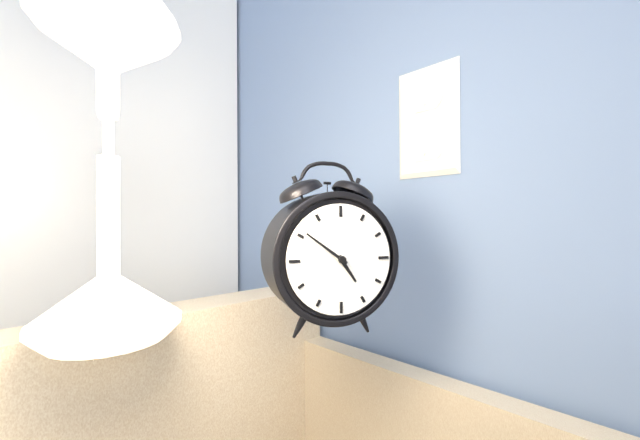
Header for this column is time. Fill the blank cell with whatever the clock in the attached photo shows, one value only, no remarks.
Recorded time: 4:51
